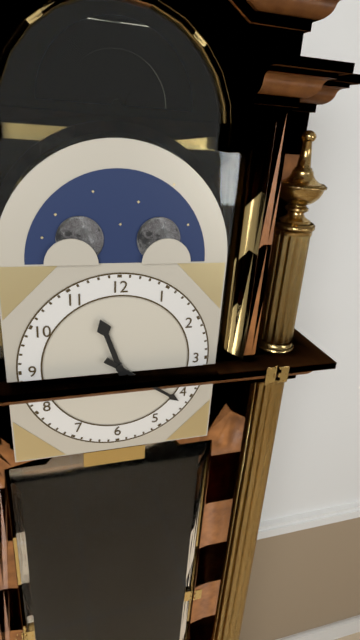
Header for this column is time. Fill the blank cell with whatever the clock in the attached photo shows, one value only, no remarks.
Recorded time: 11:21
